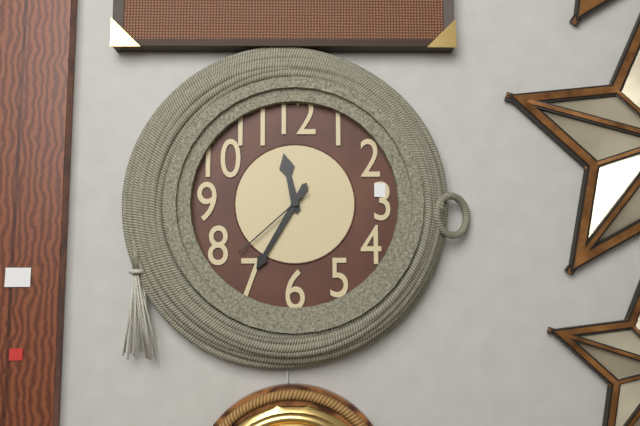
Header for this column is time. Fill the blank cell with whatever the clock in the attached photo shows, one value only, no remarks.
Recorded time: 11:35:38
